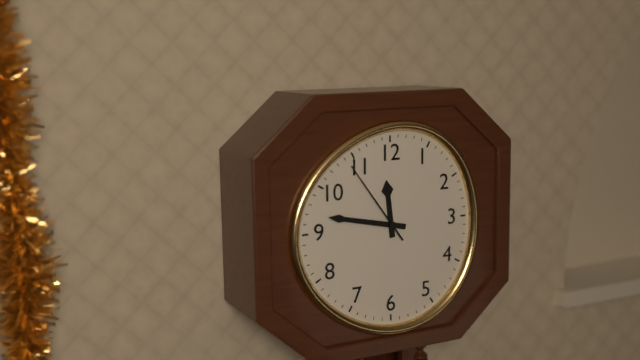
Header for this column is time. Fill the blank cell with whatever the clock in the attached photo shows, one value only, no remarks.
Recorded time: 11:47:54
